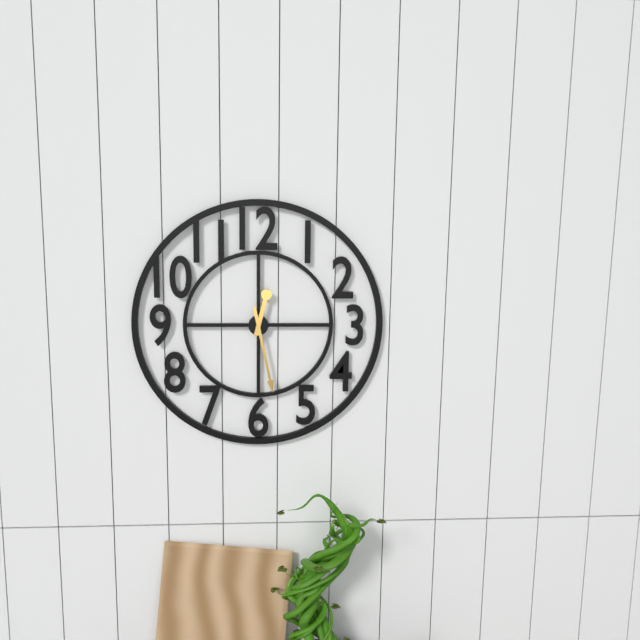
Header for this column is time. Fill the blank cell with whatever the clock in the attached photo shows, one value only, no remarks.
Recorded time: 12:28
